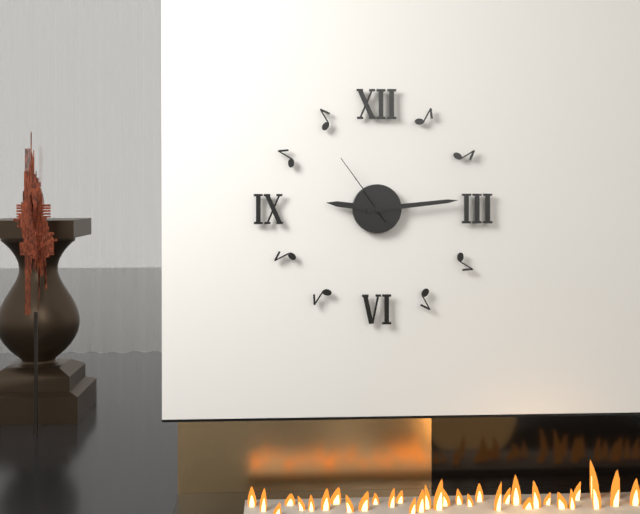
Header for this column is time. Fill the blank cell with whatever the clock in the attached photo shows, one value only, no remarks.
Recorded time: 9:14:54
